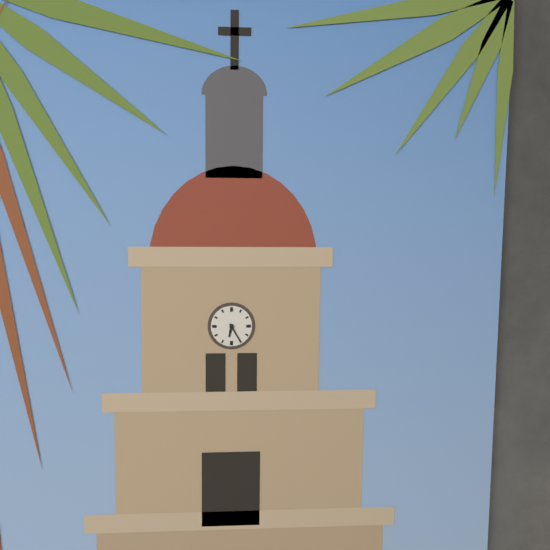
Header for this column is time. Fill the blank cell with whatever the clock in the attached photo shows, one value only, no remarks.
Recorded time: 6:25
